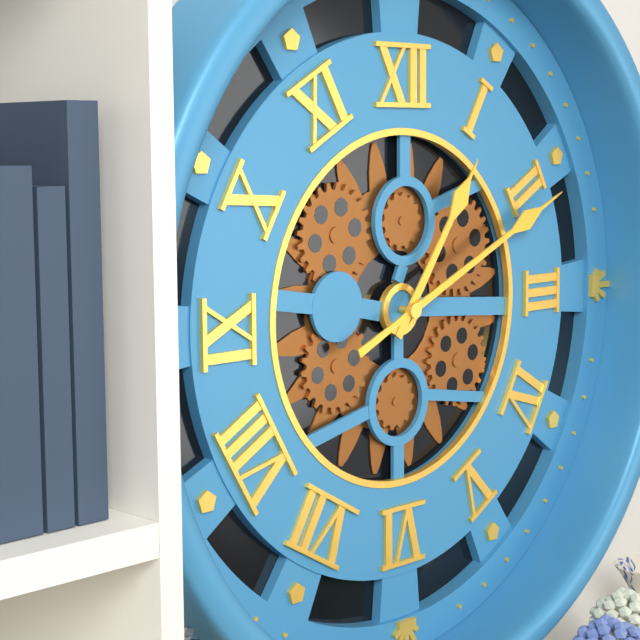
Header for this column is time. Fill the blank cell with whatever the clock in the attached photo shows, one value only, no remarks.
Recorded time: 1:11
